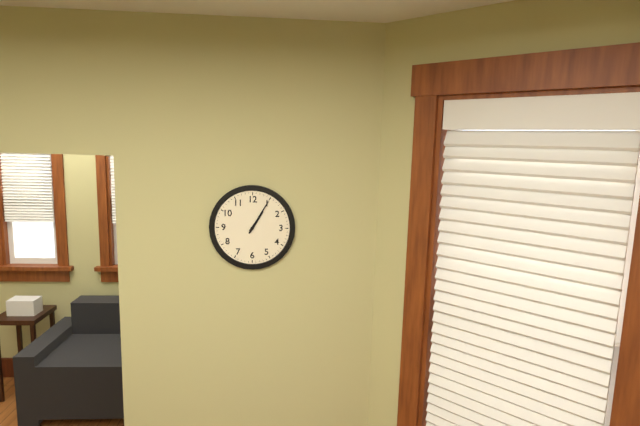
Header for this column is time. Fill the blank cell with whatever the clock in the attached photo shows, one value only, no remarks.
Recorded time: 1:05
